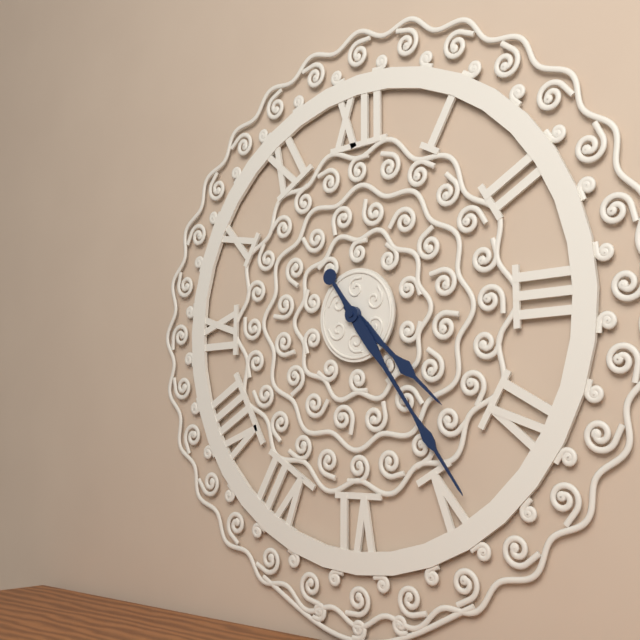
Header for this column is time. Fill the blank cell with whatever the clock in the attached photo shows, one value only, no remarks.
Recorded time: 4:24
